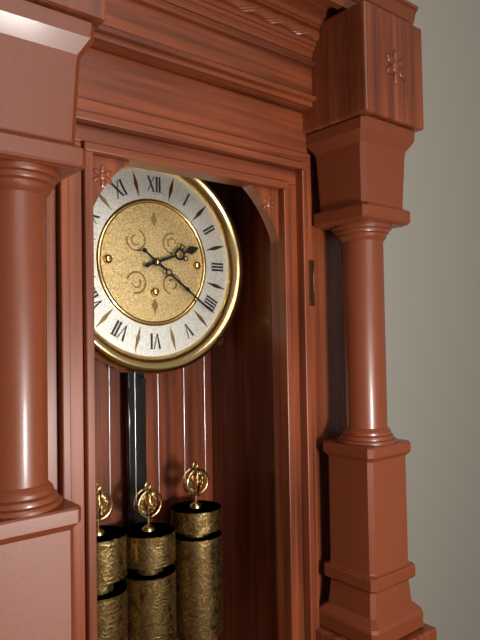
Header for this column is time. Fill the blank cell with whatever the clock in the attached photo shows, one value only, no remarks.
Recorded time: 2:21
